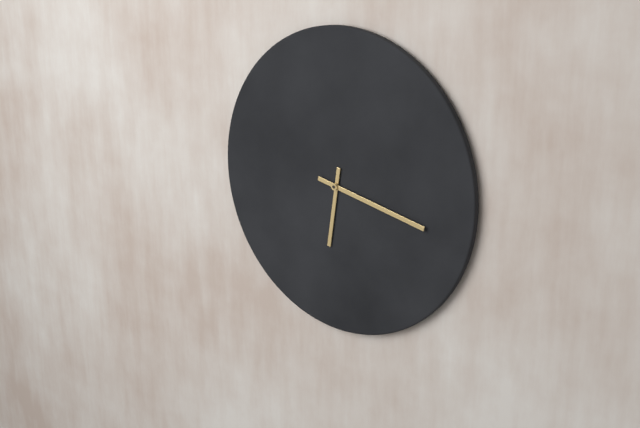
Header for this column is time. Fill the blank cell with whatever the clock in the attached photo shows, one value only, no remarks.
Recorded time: 6:17
